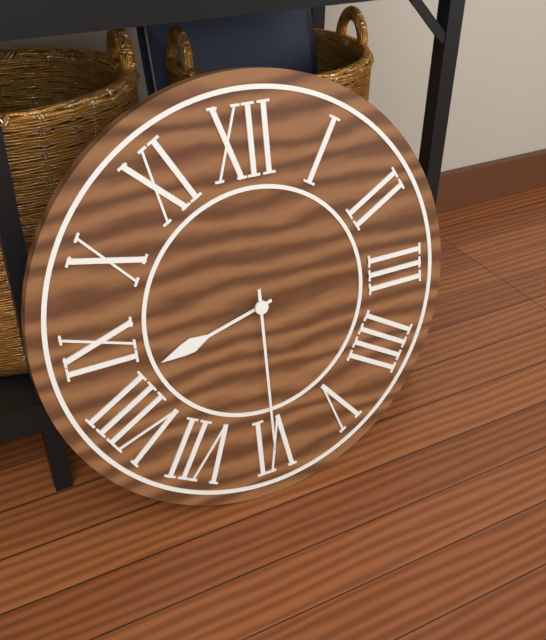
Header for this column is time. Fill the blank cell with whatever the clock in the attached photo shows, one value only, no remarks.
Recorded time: 8:30
